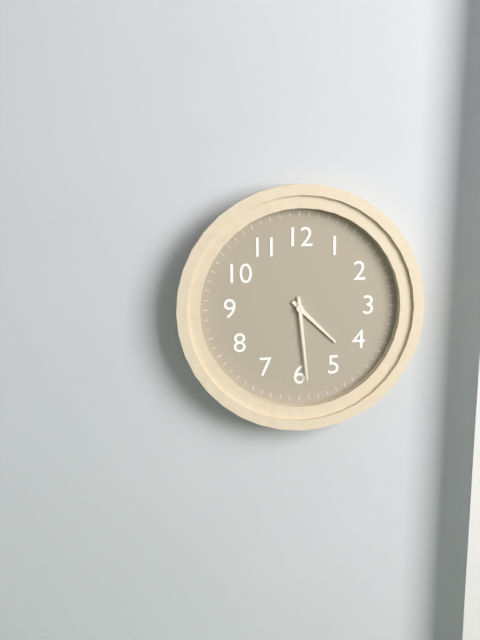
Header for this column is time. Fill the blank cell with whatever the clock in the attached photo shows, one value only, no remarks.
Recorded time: 4:29
